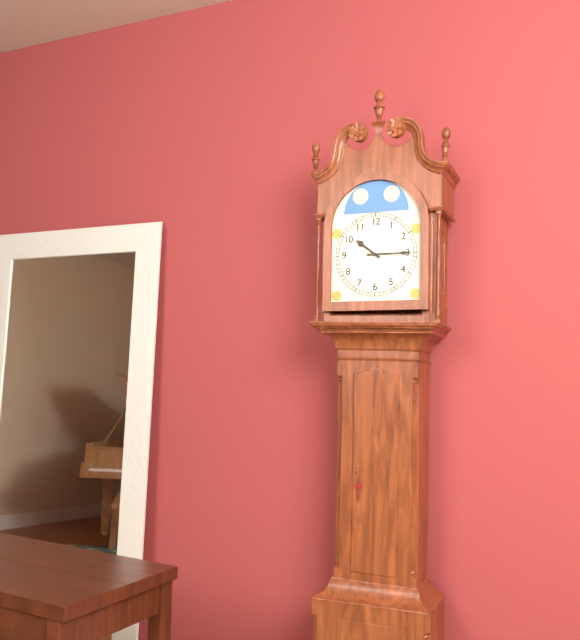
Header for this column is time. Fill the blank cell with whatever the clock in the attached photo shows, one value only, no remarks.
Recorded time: 10:15
